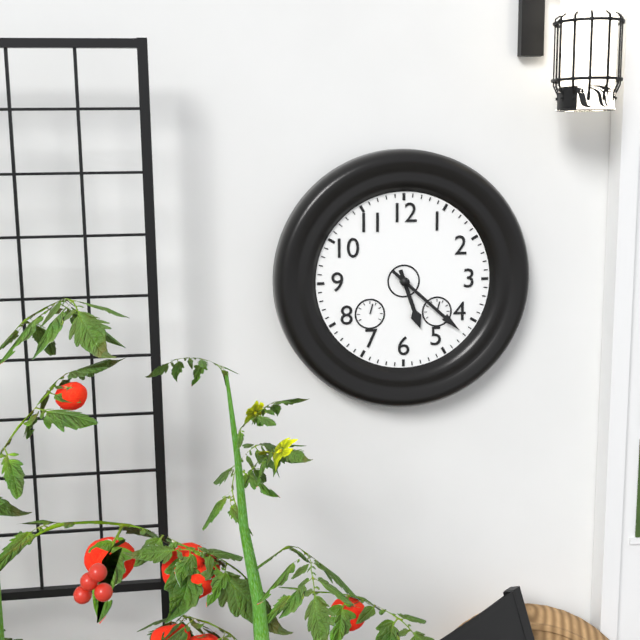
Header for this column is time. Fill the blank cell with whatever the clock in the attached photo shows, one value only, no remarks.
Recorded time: 5:22
